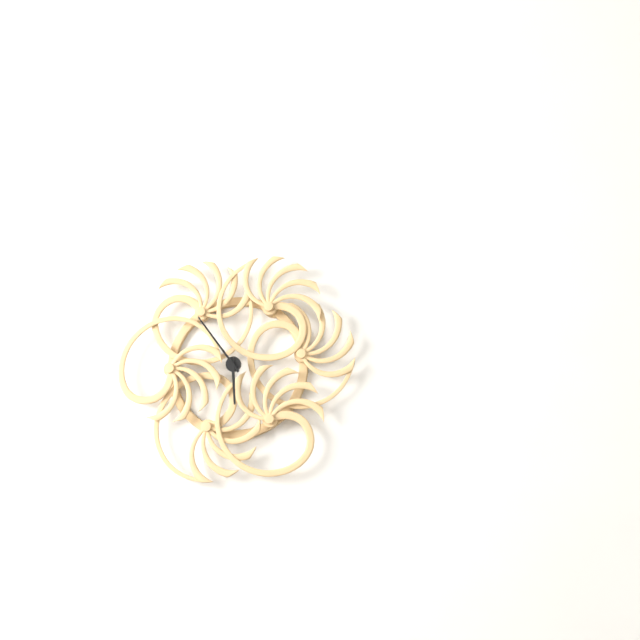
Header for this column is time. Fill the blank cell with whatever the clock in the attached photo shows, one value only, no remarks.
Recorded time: 5:54
